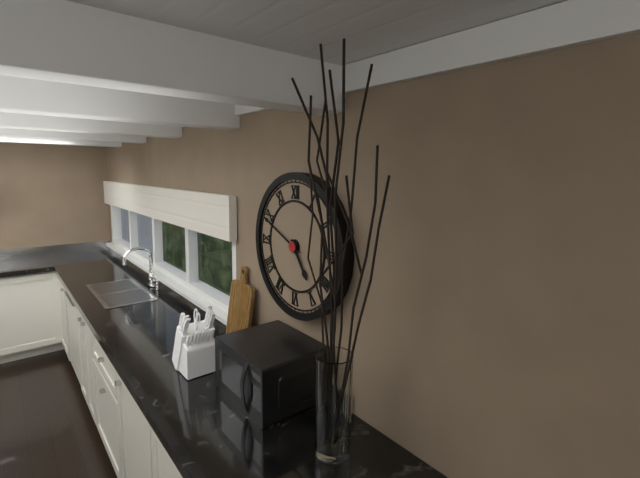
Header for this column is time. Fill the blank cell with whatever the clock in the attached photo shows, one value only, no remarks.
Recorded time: 4:49
